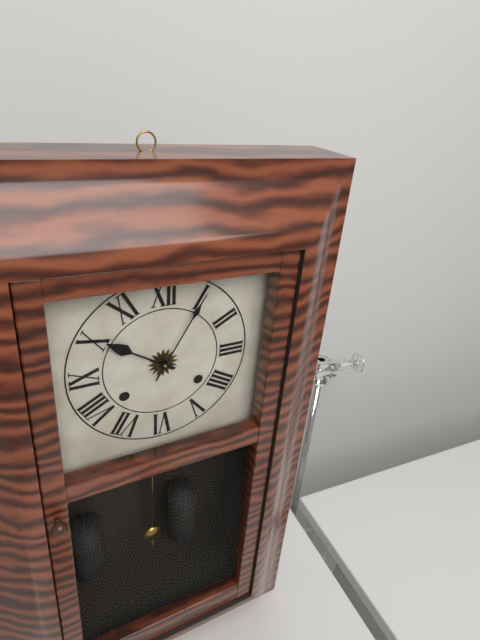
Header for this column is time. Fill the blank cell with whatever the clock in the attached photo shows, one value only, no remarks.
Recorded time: 10:05
